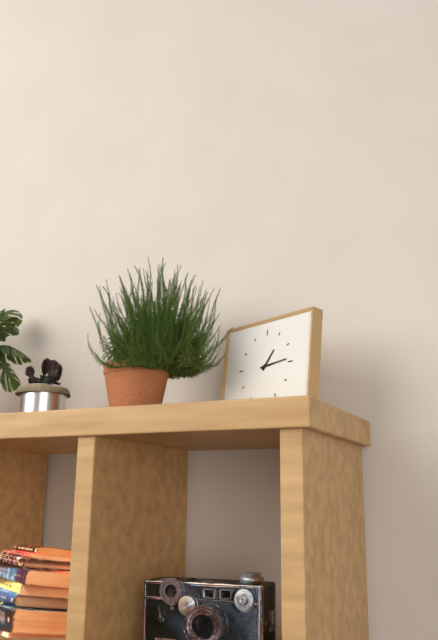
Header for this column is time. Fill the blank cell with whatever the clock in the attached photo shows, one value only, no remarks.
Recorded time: 1:14
